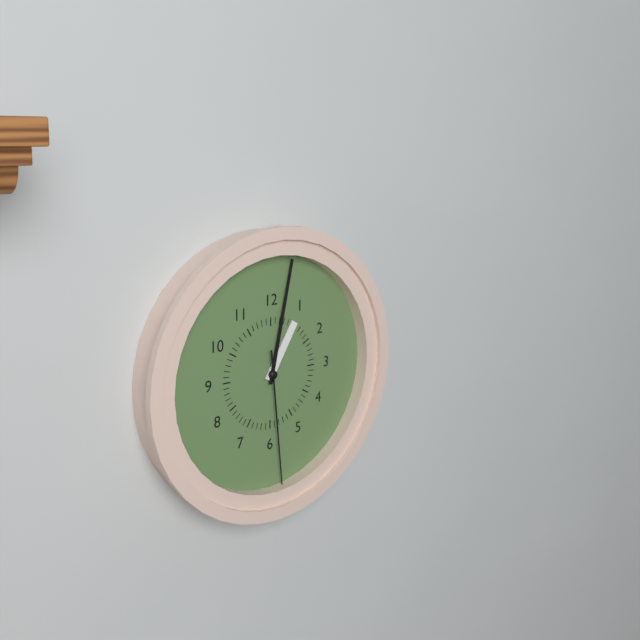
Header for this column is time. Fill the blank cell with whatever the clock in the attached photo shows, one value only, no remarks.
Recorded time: 1:02:29
